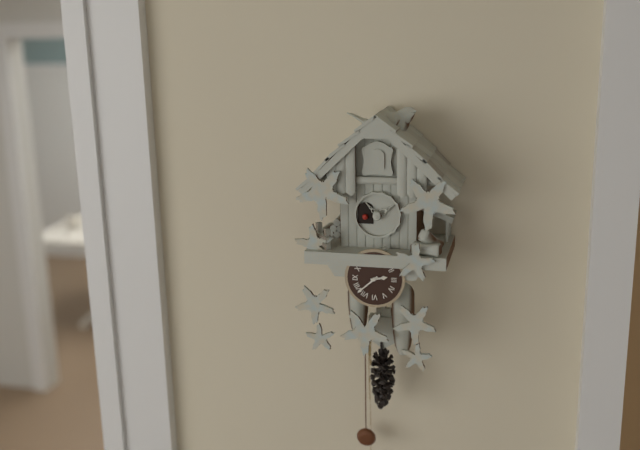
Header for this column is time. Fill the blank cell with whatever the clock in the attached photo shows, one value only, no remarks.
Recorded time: 2:38
